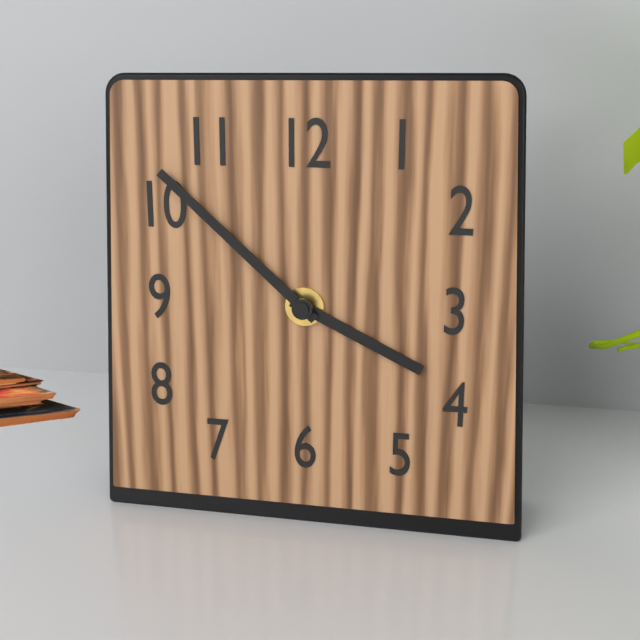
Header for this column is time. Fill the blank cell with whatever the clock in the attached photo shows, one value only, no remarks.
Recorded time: 3:52
